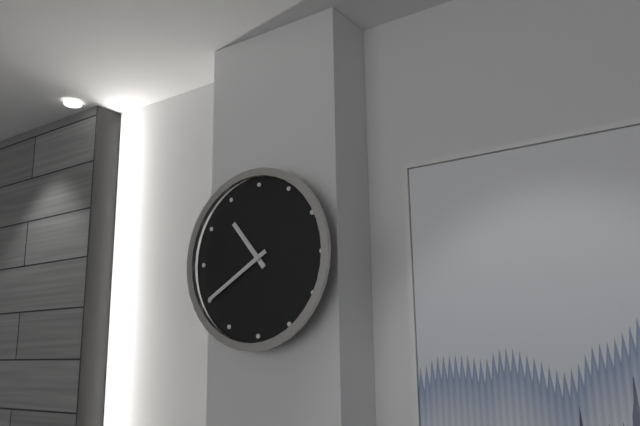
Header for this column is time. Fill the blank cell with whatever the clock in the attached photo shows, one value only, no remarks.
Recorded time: 10:40
